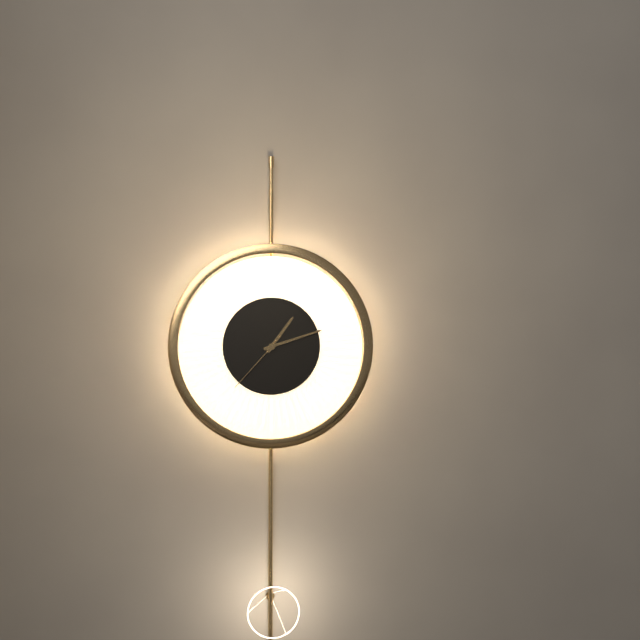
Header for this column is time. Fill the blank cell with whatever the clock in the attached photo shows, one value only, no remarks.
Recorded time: 1:12:37
